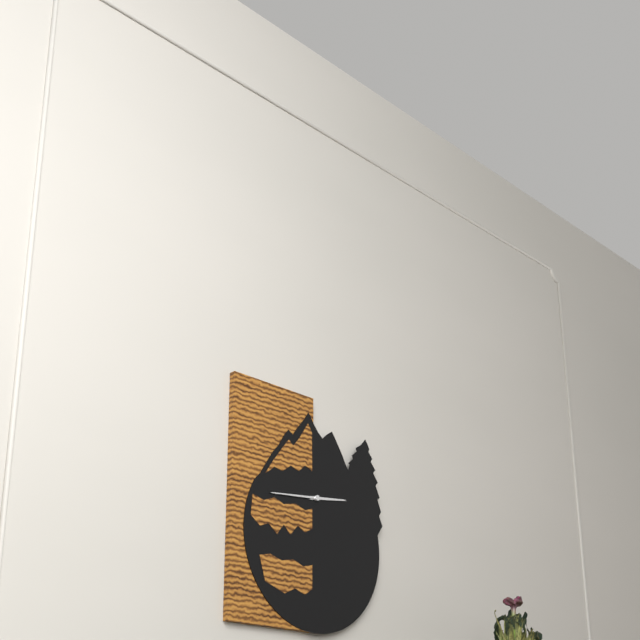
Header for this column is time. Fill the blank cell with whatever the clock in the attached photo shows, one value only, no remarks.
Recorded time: 2:44
